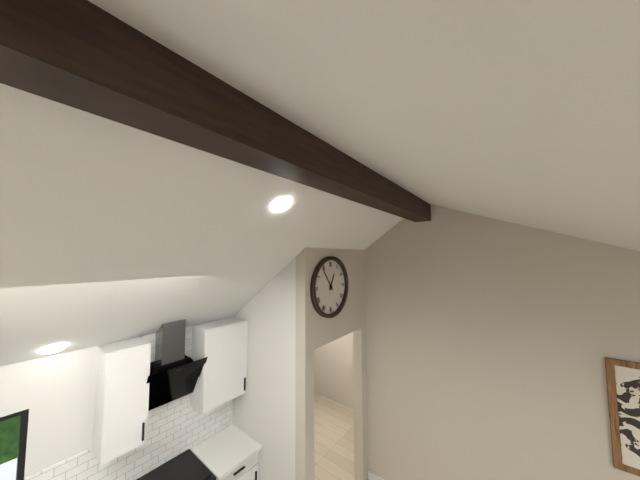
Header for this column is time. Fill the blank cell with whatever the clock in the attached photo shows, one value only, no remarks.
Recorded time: 12:54
